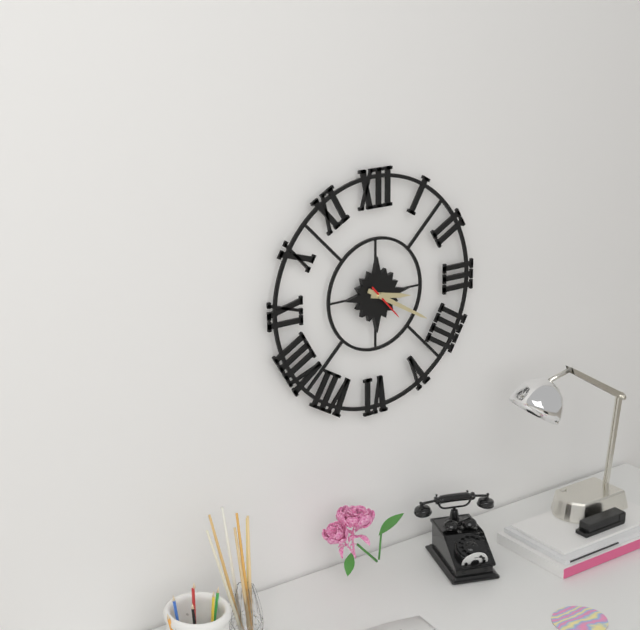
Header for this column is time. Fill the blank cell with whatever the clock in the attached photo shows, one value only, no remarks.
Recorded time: 3:20
